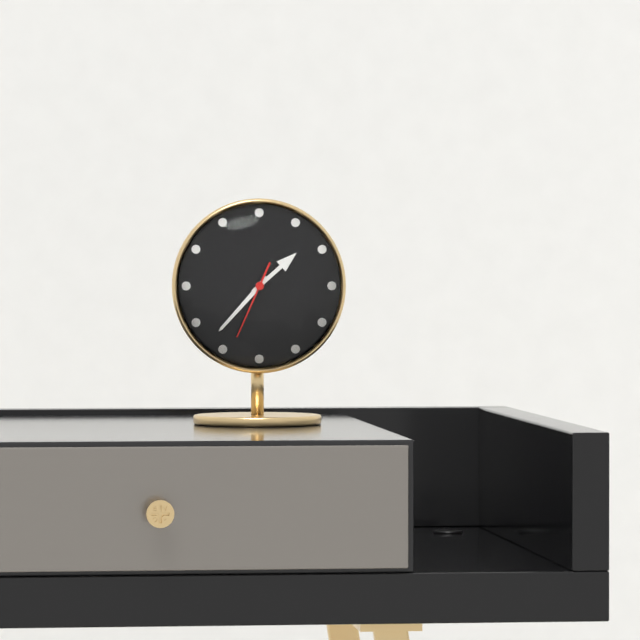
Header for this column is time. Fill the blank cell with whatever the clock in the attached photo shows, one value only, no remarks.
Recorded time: 1:37:34
